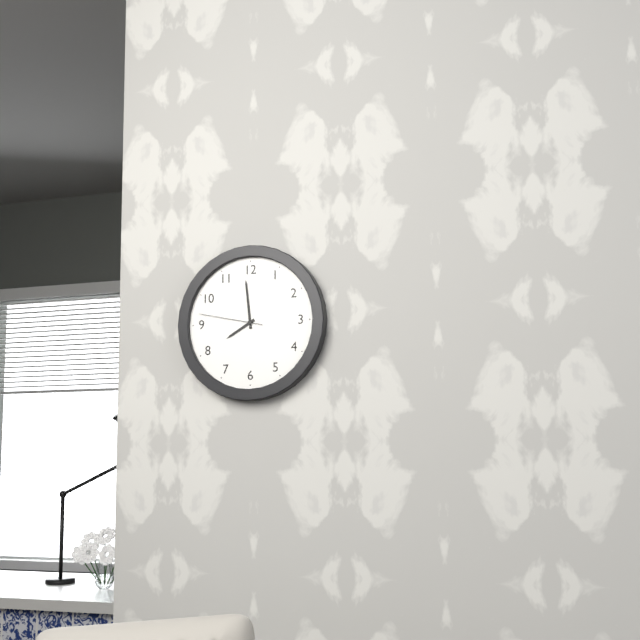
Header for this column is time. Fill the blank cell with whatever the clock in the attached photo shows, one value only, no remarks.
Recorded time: 7:59:47
